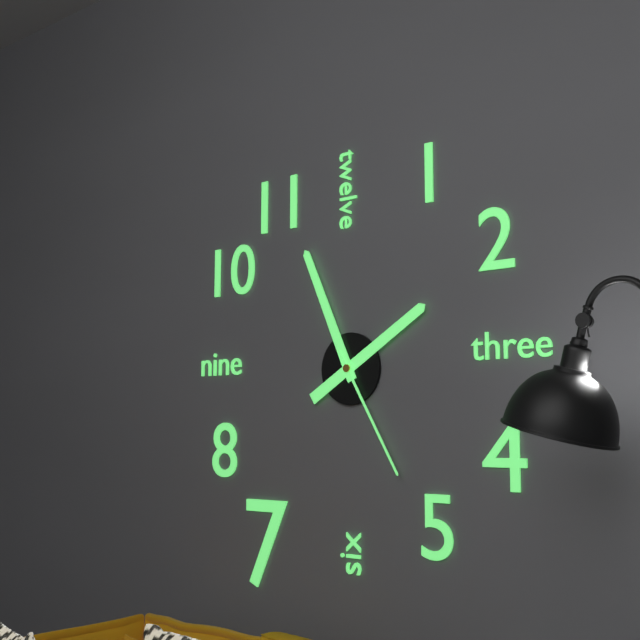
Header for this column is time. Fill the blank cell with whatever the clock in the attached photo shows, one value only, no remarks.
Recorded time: 1:56:25
